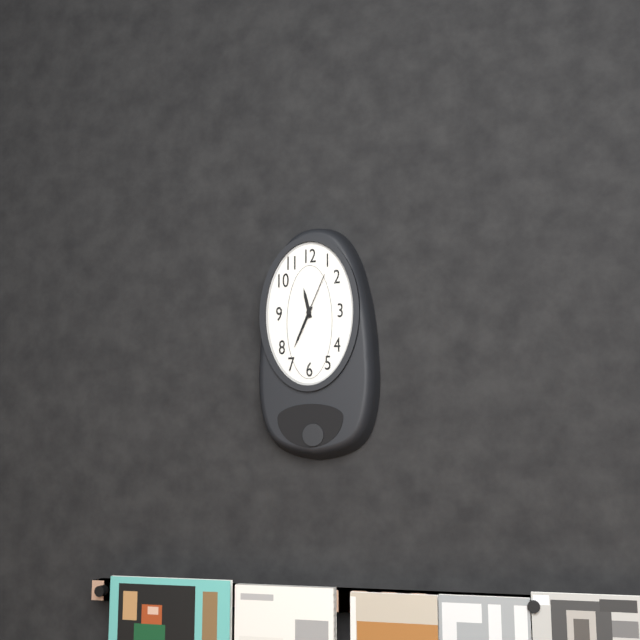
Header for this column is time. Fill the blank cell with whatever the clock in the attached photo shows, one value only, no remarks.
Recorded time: 11:34:04
